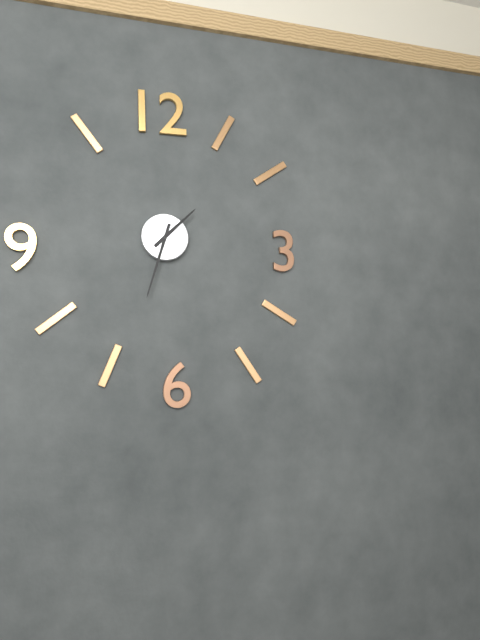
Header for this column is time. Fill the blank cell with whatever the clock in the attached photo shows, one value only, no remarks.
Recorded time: 1:33
